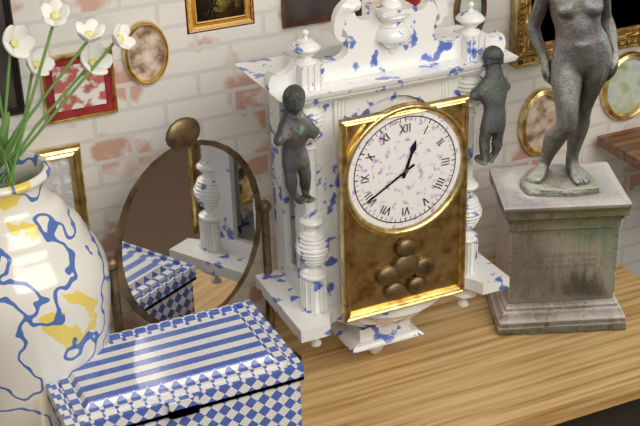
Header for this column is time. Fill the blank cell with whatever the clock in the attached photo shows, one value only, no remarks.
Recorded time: 12:40
